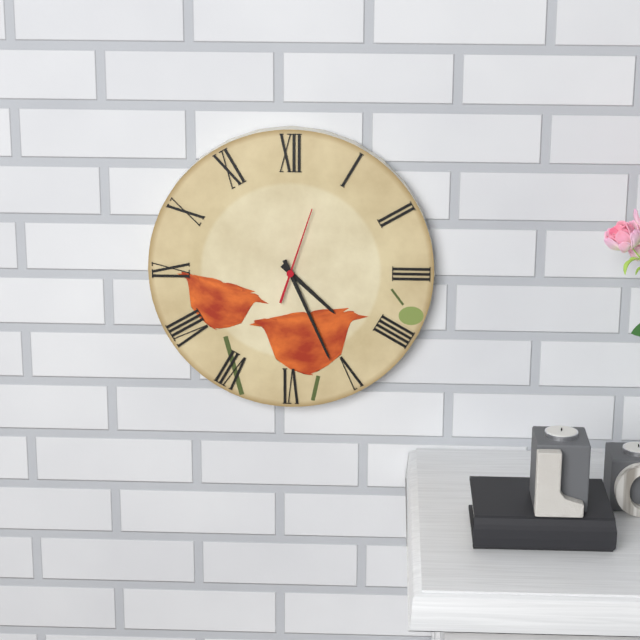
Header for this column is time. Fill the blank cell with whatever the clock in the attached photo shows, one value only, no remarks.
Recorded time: 4:26:03
